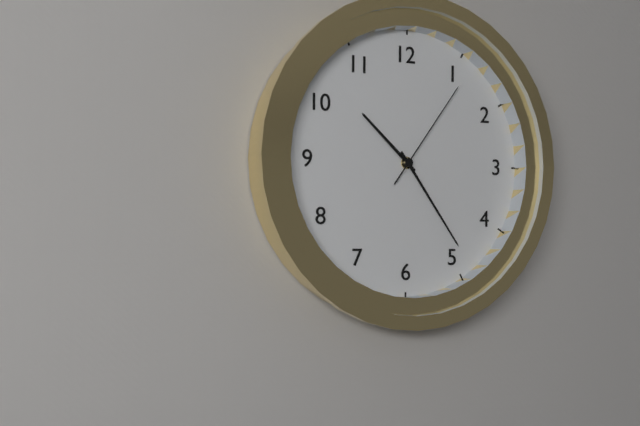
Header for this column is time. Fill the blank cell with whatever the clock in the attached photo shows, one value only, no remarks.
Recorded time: 10:24:06
